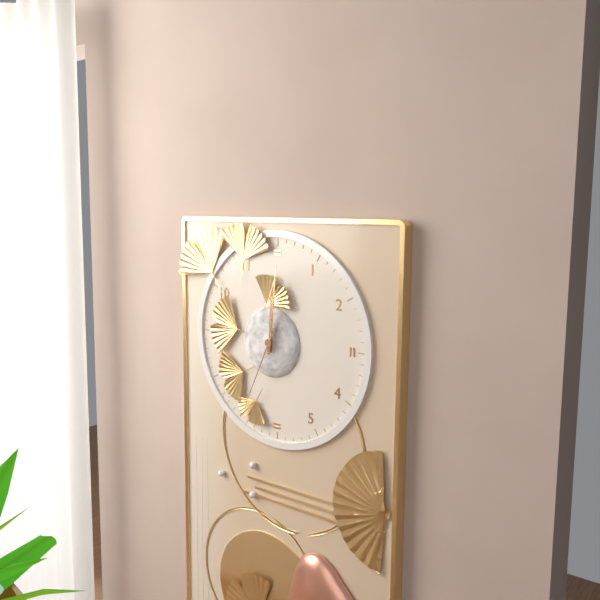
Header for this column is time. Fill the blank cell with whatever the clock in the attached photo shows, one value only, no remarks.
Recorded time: 12:01:34
